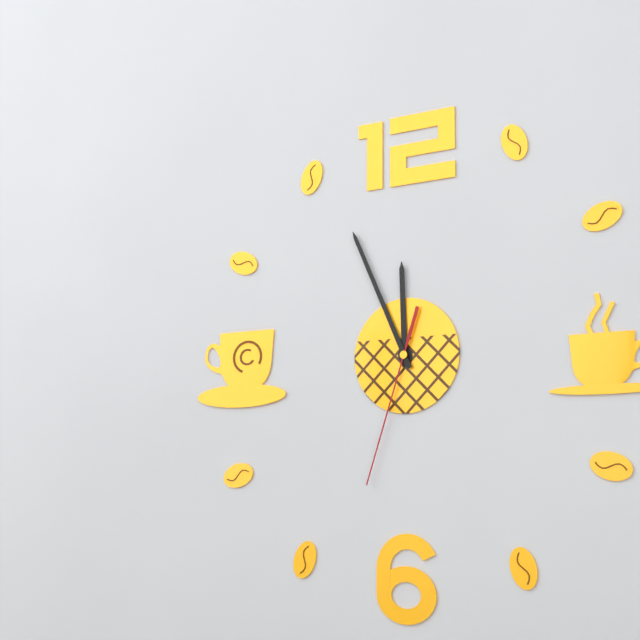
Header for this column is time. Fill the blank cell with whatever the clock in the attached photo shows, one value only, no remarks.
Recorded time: 11:56:33
